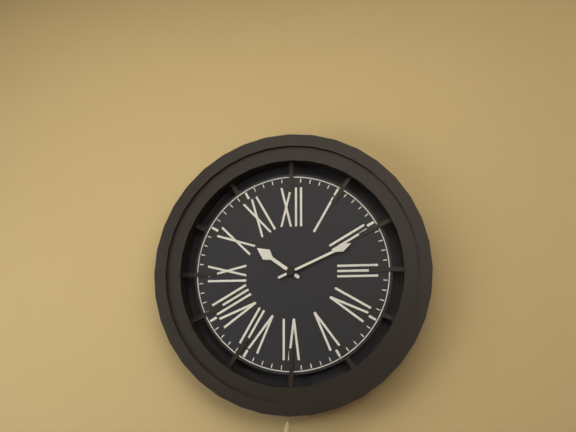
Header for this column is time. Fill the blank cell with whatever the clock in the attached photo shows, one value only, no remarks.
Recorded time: 10:11
